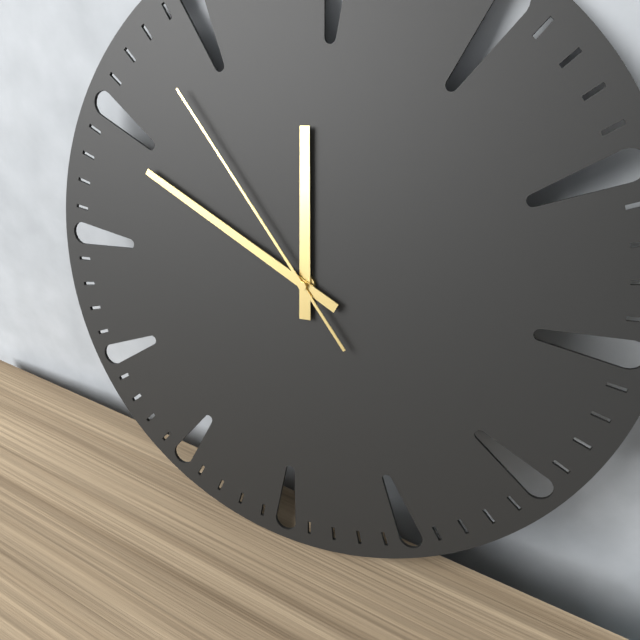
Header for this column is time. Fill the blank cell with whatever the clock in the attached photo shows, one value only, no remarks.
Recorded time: 11:49:53
